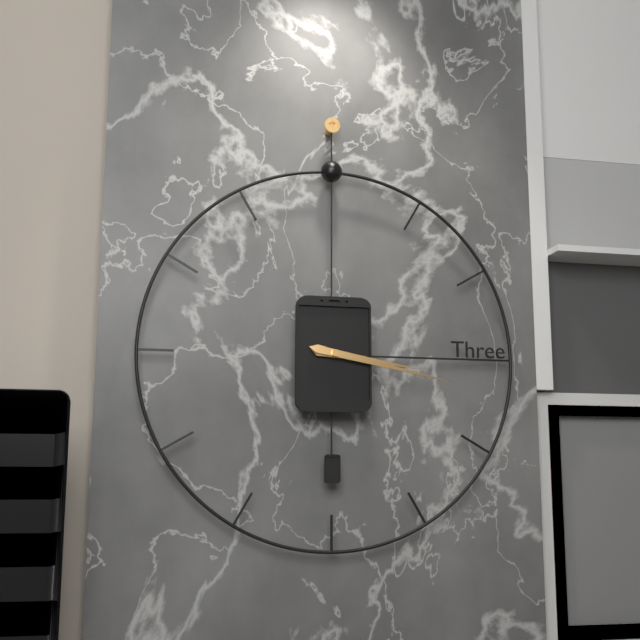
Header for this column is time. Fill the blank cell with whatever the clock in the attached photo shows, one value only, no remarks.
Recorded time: 3:17
